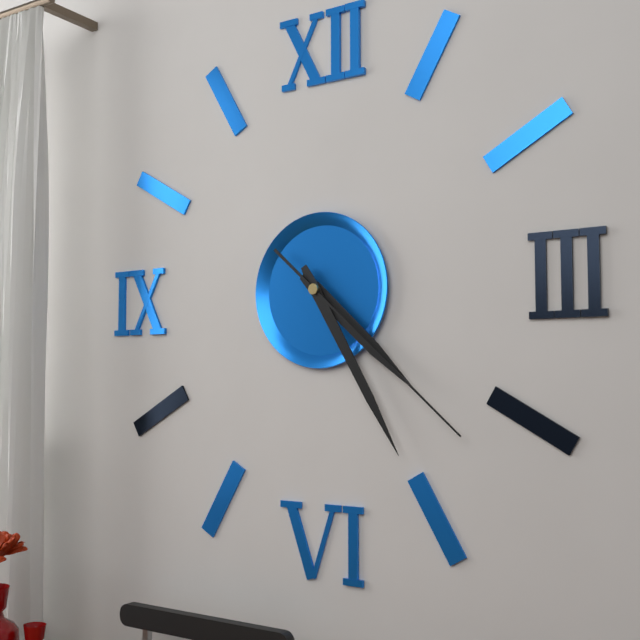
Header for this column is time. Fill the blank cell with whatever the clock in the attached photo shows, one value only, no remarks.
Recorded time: 4:25:22
